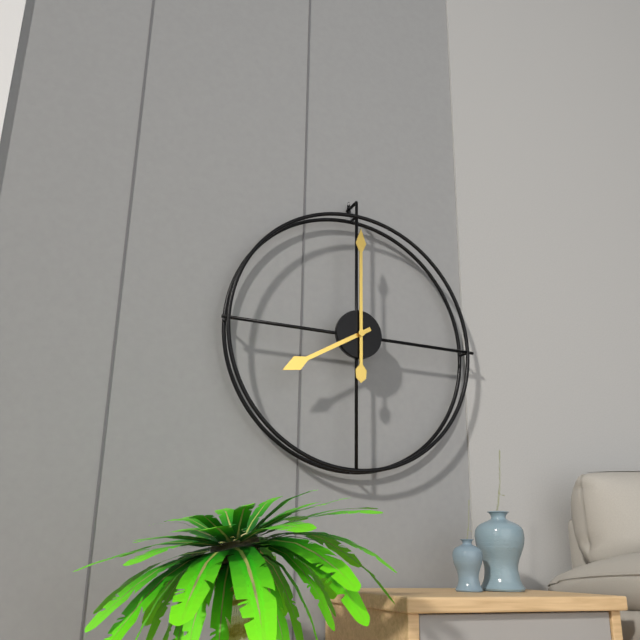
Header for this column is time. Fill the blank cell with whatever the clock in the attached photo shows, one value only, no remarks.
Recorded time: 8:00
